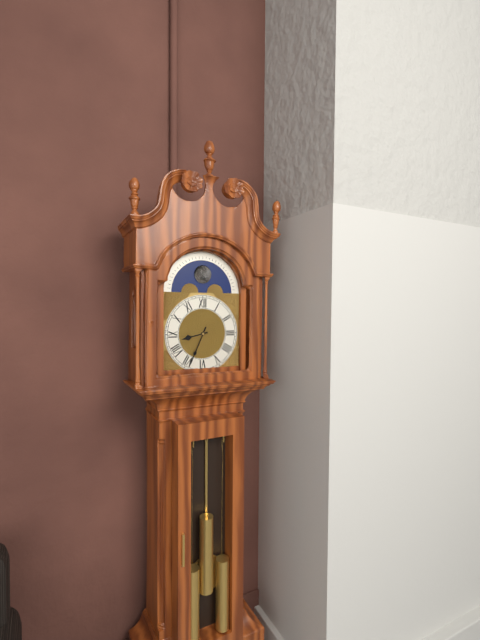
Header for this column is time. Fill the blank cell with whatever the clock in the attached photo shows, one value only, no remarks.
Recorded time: 8:34
